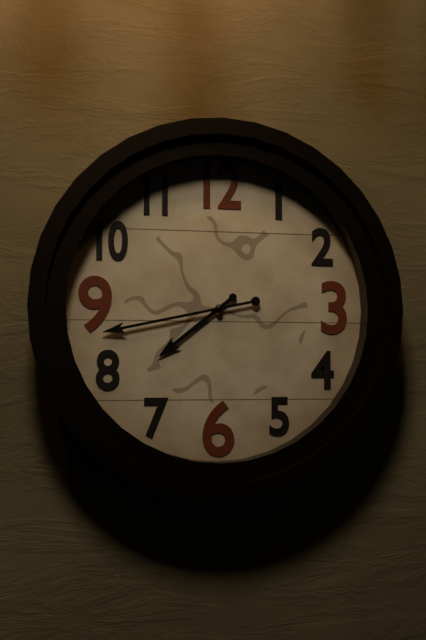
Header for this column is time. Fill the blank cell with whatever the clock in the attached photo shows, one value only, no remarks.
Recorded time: 7:43
